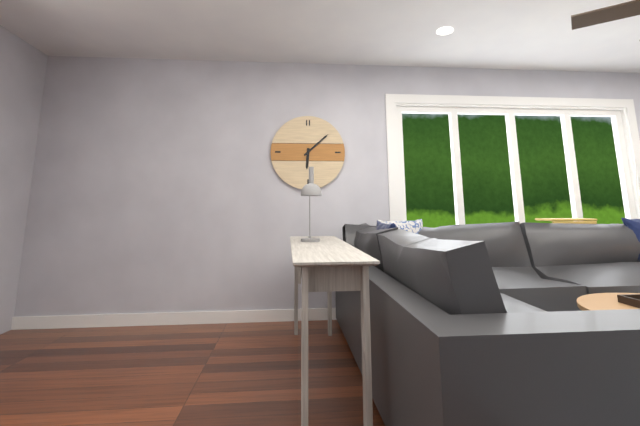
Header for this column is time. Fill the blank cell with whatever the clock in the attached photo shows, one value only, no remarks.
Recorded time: 6:08
